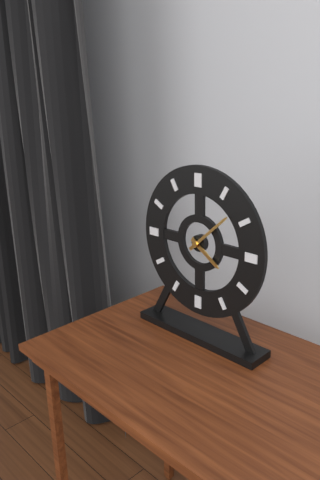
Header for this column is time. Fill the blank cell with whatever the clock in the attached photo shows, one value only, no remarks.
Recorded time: 4:08
